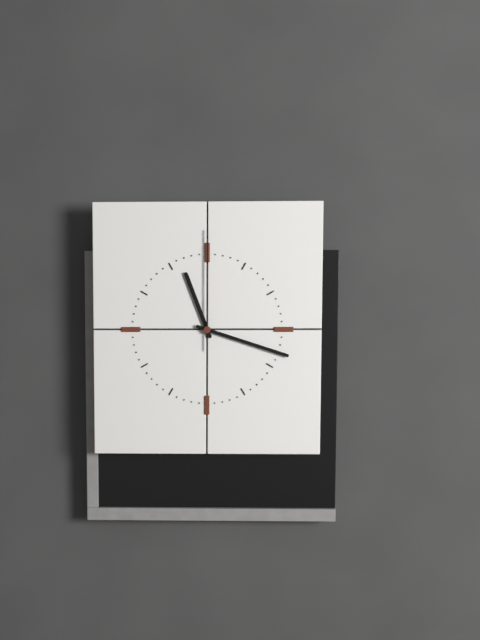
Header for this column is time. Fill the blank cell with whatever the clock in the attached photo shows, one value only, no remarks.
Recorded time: 11:18:00
